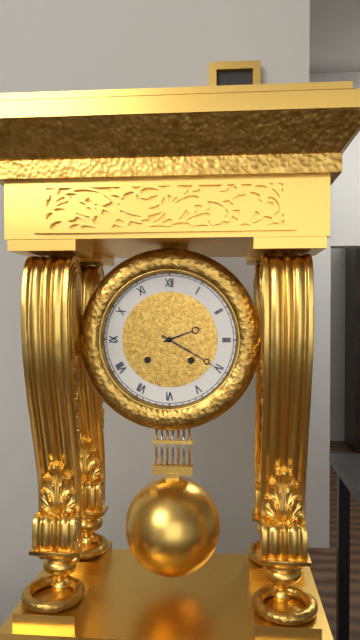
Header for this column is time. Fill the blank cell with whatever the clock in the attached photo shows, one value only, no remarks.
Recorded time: 2:20
